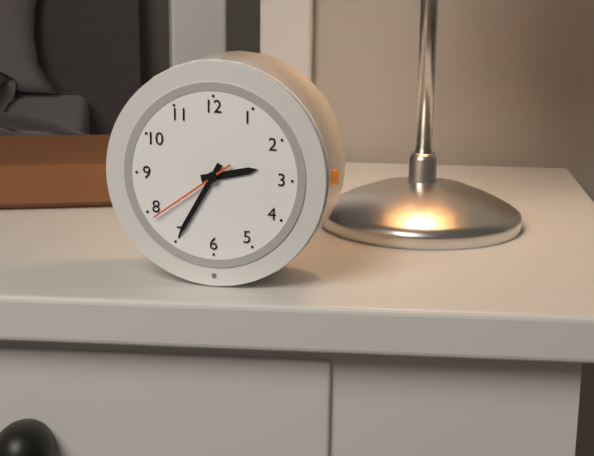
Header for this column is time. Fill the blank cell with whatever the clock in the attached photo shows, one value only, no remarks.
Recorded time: 2:35:39
